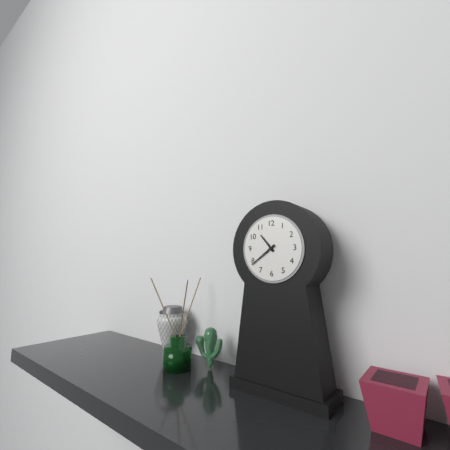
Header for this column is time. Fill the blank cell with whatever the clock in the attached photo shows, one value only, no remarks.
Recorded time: 10:39
